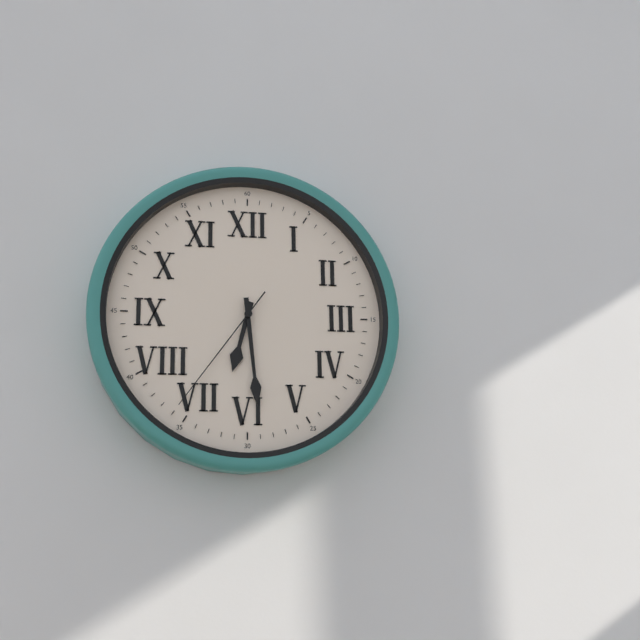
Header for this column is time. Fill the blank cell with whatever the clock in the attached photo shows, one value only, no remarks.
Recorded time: 6:29:36
